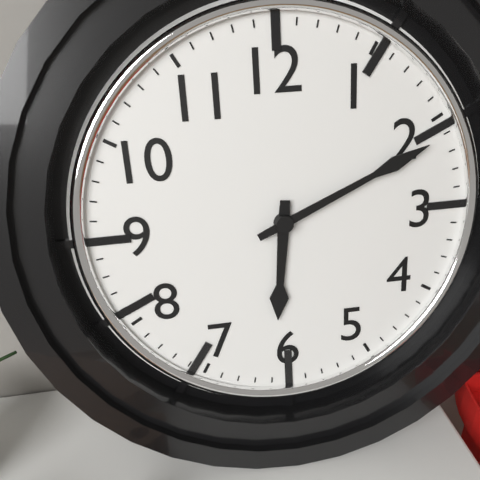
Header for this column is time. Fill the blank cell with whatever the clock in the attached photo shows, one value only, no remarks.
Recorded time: 6:11
